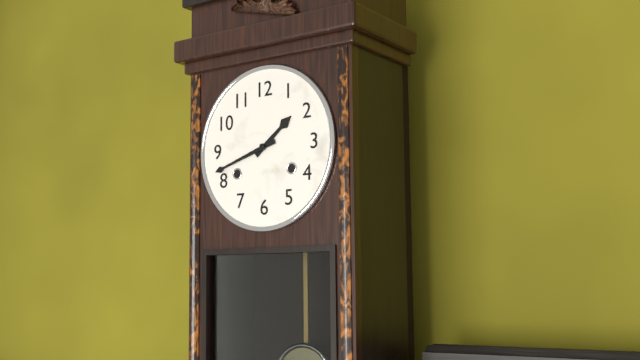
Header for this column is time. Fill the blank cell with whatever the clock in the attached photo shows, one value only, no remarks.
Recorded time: 1:42
